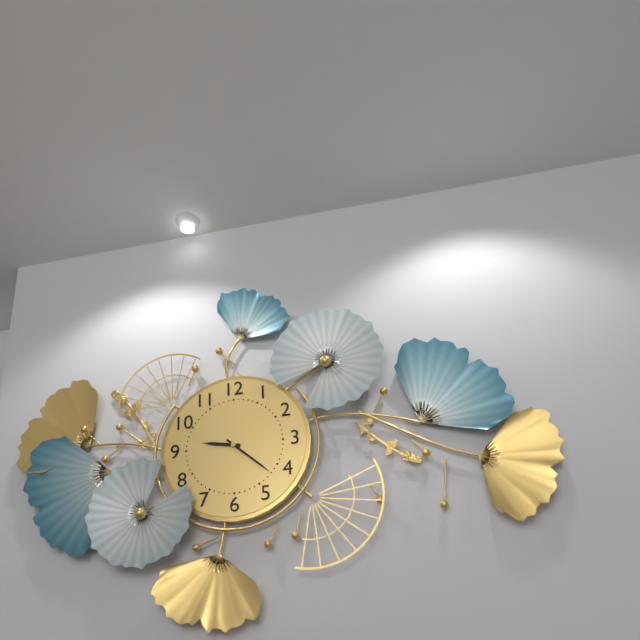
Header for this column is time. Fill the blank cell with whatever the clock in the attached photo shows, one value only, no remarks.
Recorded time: 9:22
